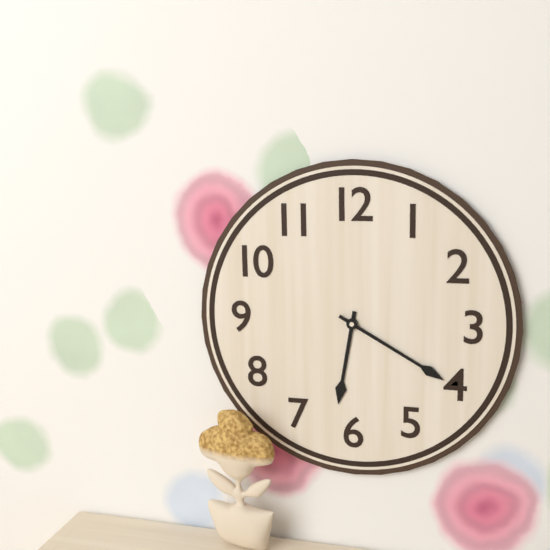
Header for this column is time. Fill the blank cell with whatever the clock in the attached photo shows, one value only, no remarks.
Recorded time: 6:20
